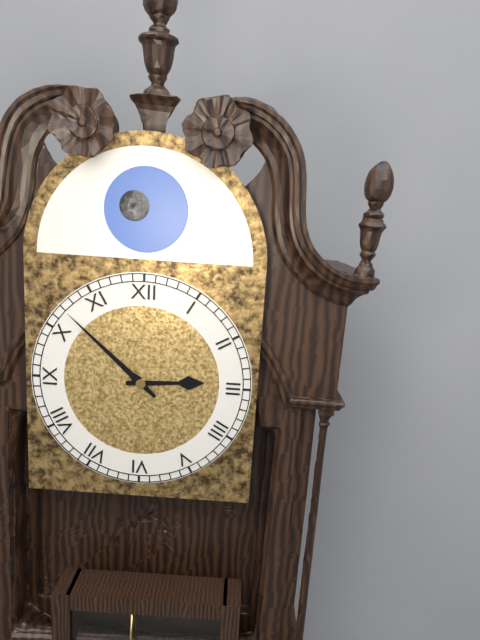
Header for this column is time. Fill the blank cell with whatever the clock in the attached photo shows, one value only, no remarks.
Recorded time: 2:52
